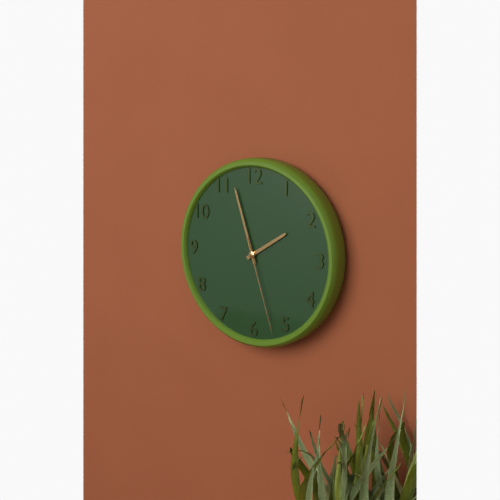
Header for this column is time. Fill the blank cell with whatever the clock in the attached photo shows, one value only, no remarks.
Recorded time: 1:57:27
